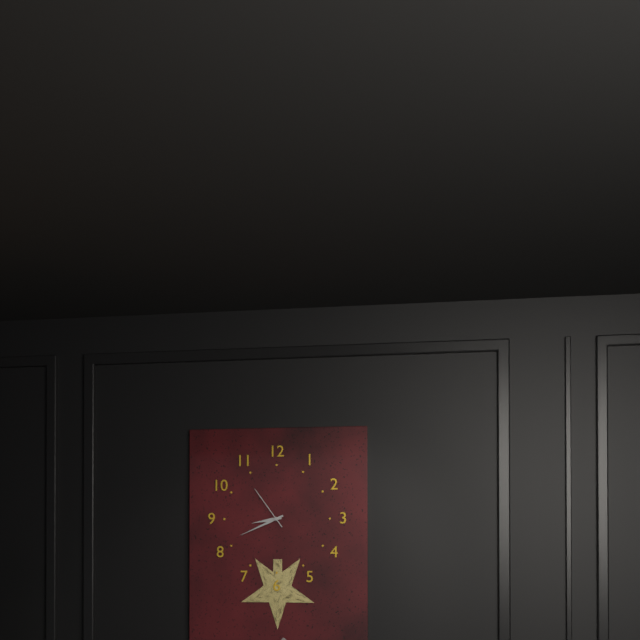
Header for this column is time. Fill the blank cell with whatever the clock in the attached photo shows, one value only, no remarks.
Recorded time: 8:41
